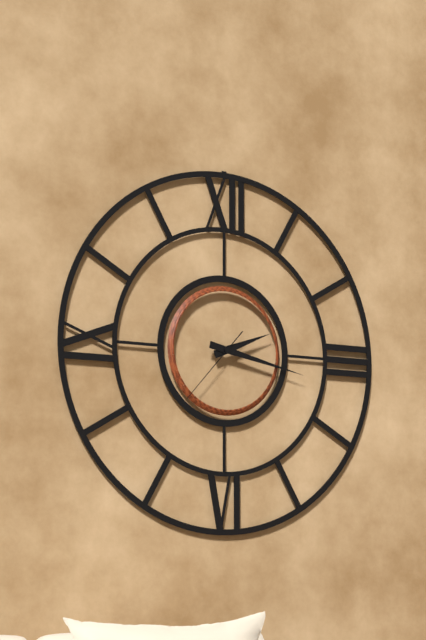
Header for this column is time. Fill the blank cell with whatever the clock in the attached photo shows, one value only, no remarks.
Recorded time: 2:17:37
